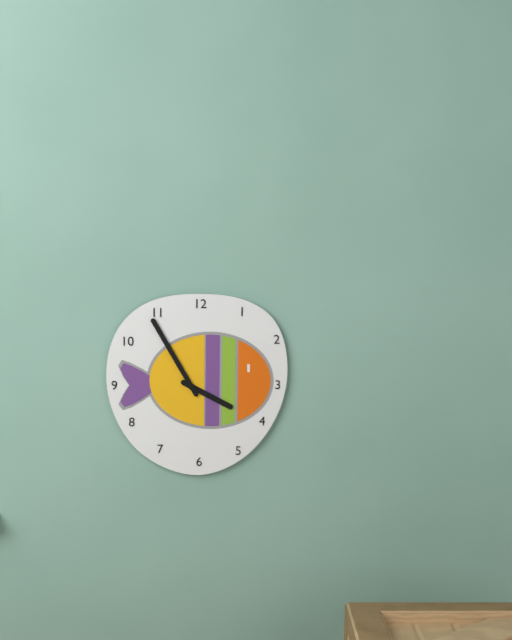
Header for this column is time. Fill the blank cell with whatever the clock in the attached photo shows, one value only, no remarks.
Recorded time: 3:55
